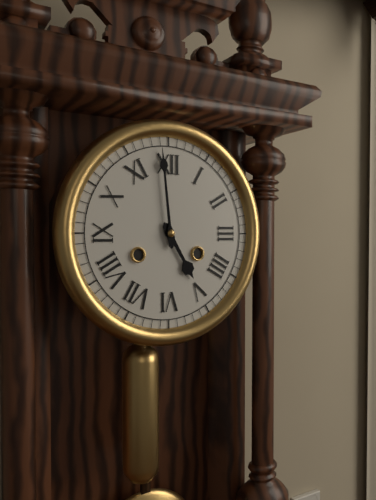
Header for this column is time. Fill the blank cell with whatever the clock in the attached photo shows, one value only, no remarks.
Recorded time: 4:59
